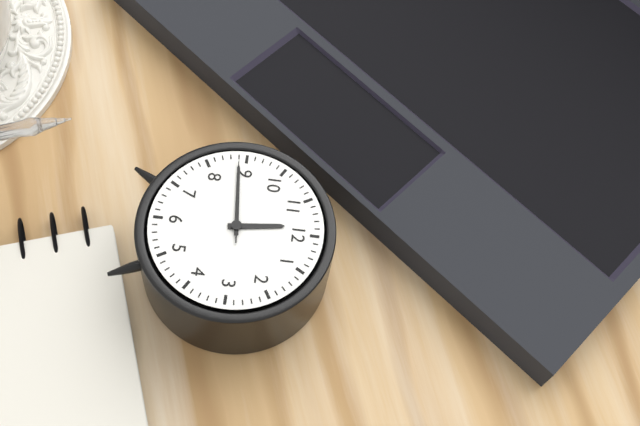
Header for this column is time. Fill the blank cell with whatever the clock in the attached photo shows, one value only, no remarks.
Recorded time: 11:44:44
